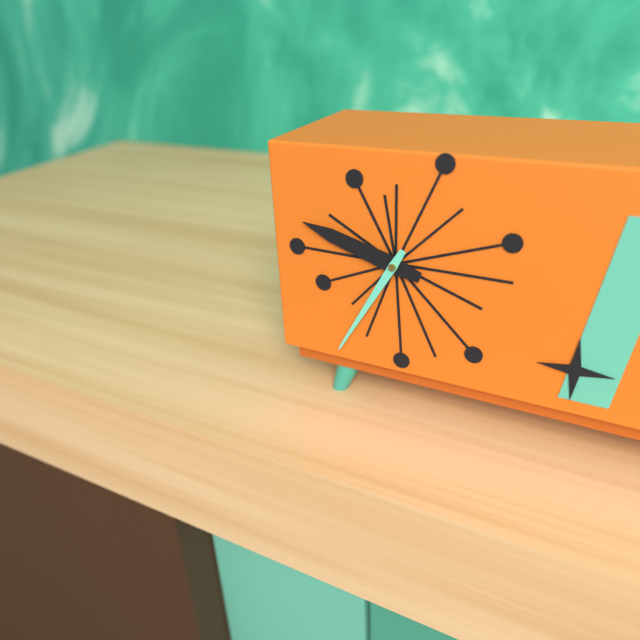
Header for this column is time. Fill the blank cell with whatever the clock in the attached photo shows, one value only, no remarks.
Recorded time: 9:35
